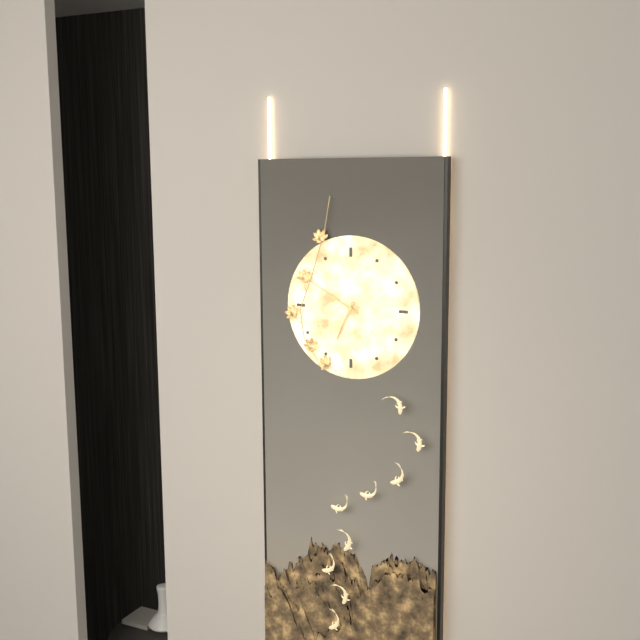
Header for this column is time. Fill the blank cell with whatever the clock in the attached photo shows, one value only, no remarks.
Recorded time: 6:50
